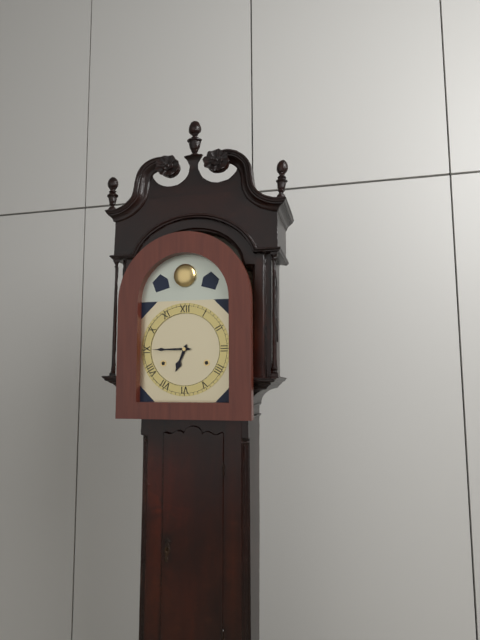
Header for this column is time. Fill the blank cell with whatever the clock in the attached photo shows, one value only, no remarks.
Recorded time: 6:45
